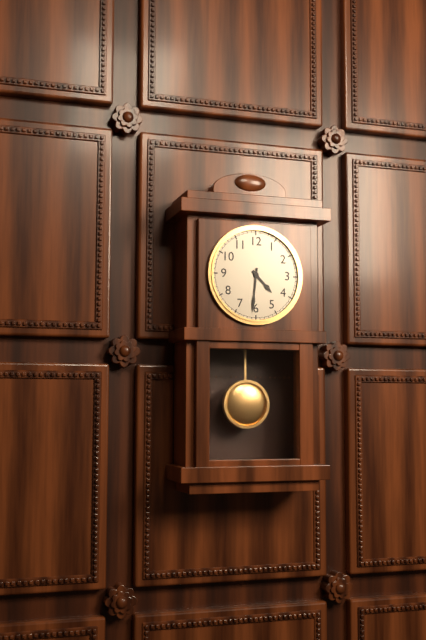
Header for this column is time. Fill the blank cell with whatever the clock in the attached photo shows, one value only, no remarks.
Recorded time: 4:31
